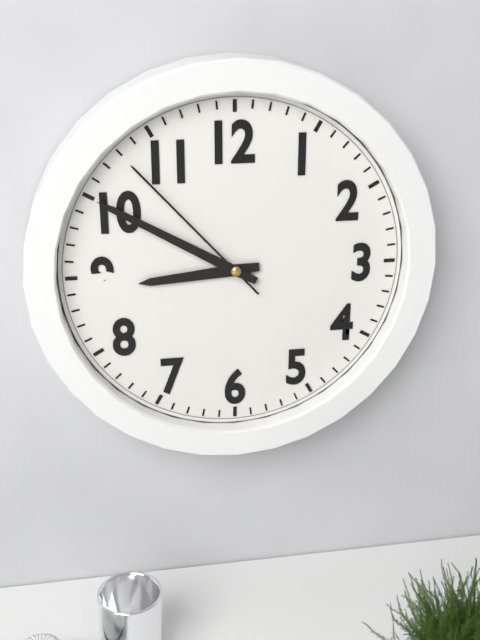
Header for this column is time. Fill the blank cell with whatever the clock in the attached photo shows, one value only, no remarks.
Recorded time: 8:50:53
